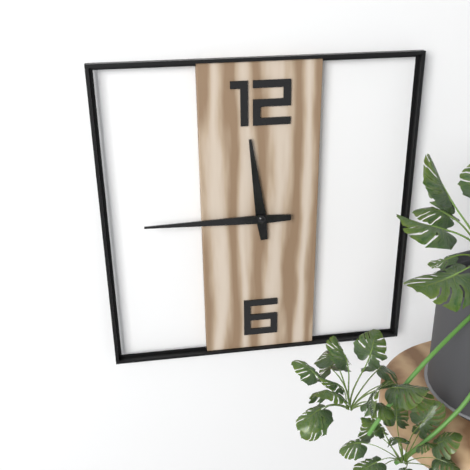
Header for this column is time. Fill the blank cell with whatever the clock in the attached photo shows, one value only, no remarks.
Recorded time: 11:45
